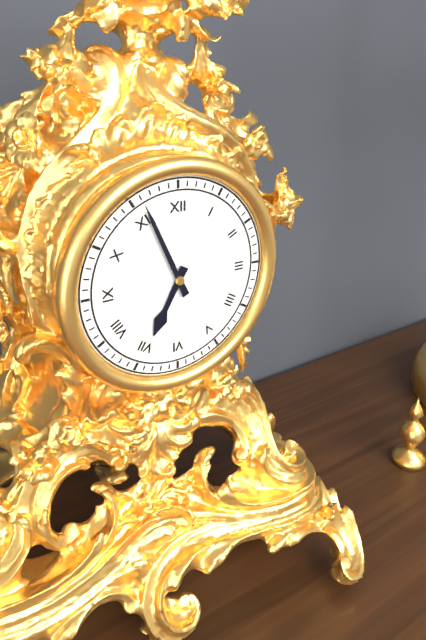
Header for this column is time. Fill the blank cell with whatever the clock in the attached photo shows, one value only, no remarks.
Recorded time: 6:56
